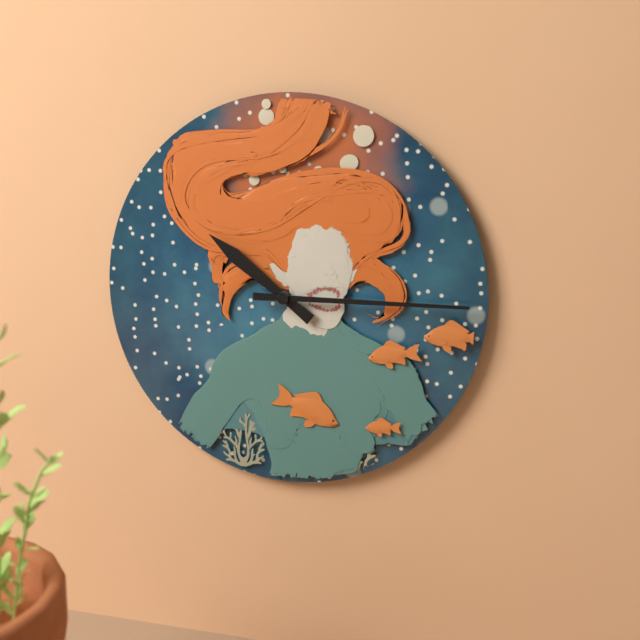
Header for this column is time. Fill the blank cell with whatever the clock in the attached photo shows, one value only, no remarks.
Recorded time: 10:15
